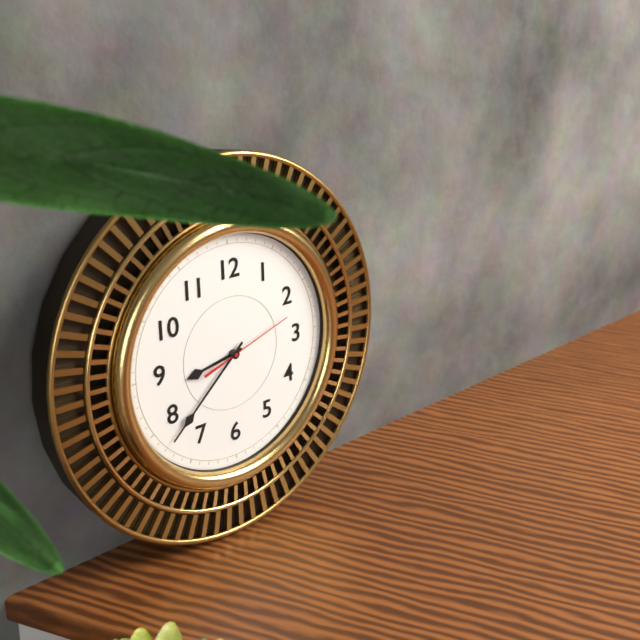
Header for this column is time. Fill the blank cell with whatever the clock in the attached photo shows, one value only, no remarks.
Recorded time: 8:38:12
